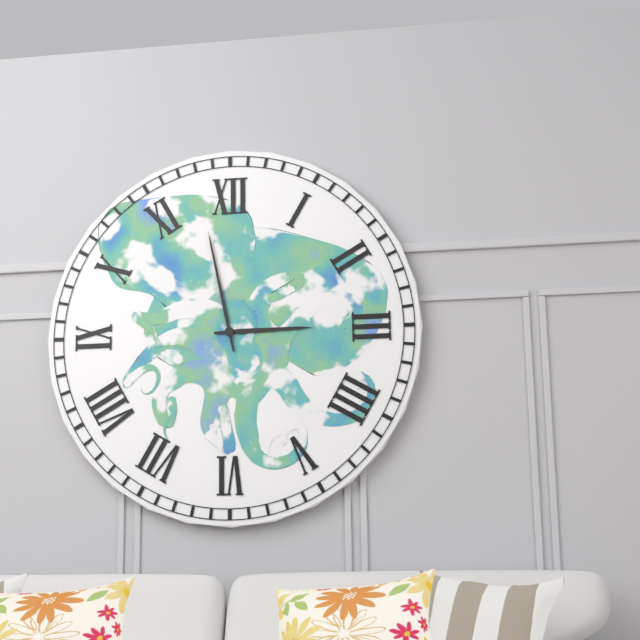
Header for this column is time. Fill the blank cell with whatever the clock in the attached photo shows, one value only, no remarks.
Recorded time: 2:58
